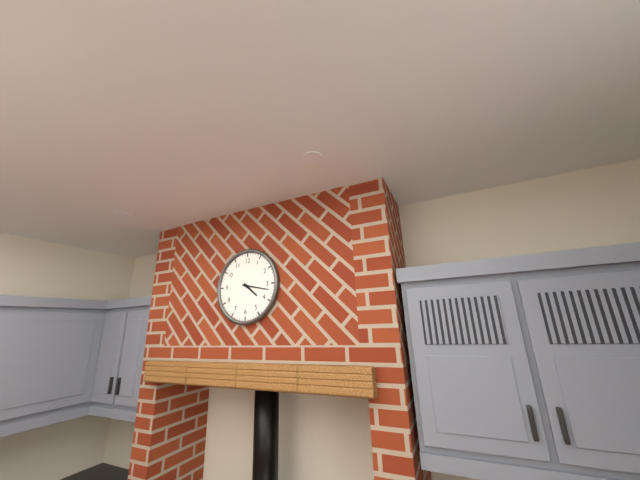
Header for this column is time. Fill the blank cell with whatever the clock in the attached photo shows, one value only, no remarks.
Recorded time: 4:17
